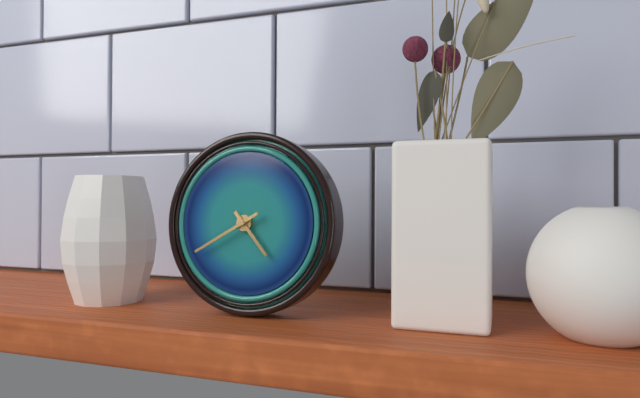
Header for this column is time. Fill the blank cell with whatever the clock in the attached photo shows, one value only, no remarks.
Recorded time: 4:40
